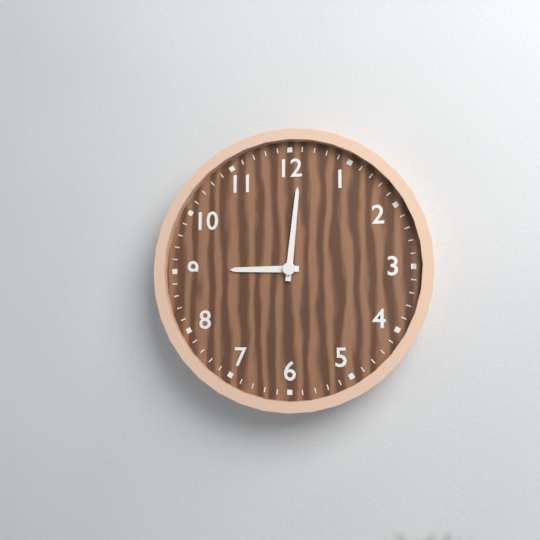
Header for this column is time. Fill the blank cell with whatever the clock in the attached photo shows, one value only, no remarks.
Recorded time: 9:01
